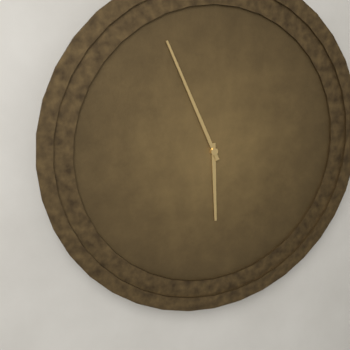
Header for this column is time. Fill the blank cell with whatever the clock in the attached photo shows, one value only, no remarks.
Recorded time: 5:56
